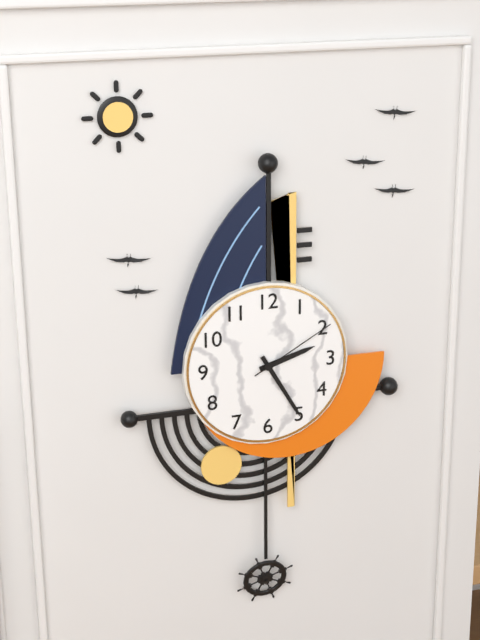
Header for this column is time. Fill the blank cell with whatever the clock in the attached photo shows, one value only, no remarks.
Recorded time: 2:25:10
